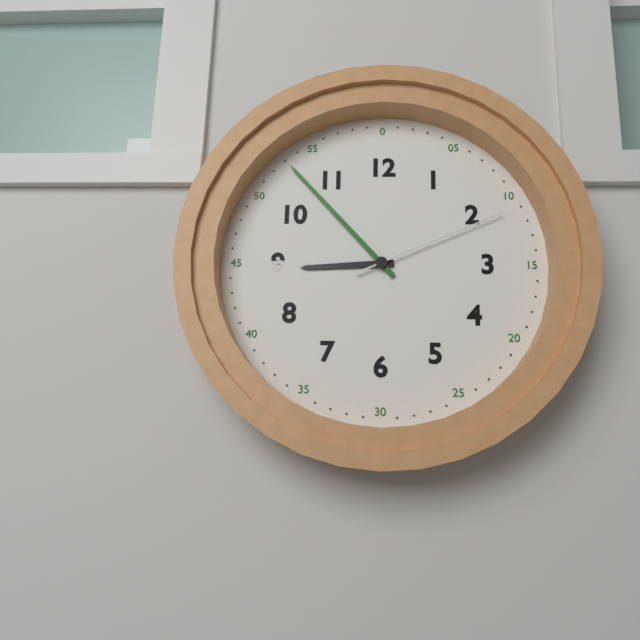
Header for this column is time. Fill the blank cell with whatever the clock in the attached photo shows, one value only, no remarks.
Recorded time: 8:53:11
